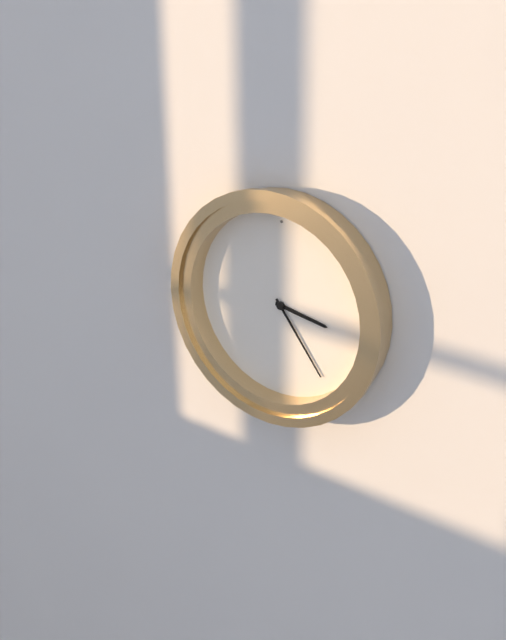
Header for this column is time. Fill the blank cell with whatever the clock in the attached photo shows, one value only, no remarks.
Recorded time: 3:24
